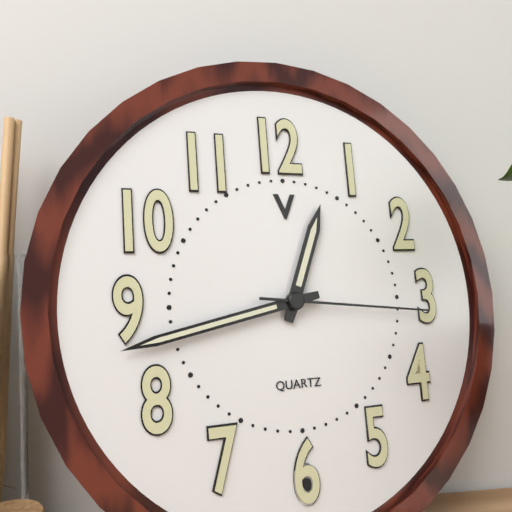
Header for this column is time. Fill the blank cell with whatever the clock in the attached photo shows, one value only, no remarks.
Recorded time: 12:43:16
